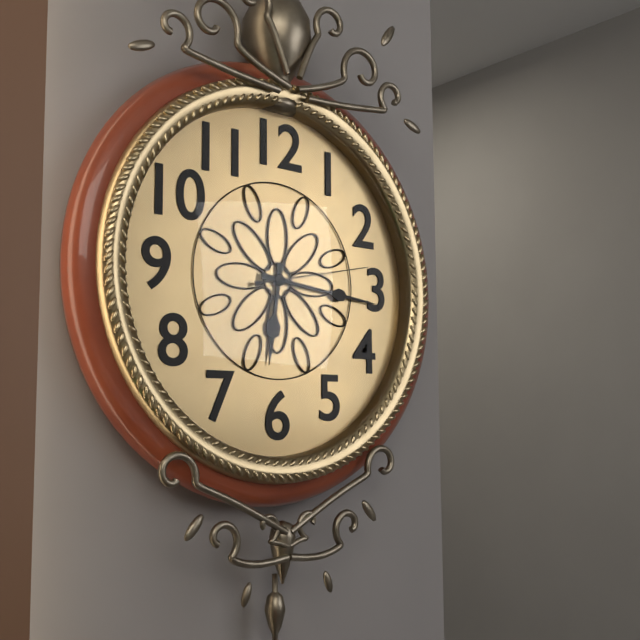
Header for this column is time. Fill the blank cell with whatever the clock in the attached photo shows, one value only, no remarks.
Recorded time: 6:16:13
